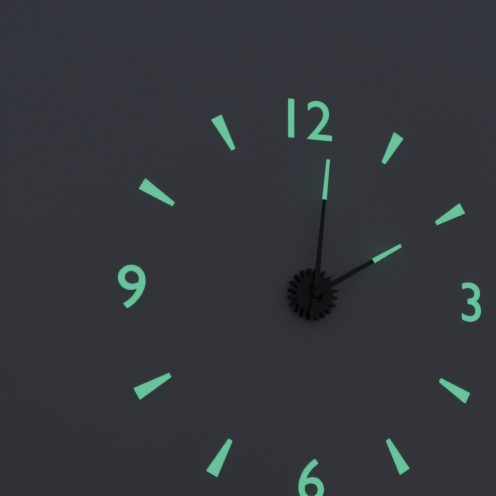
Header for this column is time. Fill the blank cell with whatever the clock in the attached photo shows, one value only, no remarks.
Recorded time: 2:01
